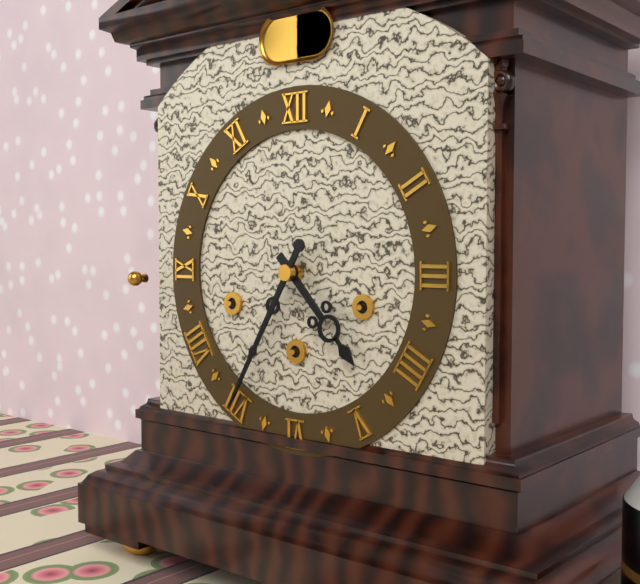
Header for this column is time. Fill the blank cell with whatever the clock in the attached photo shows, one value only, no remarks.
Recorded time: 4:35
